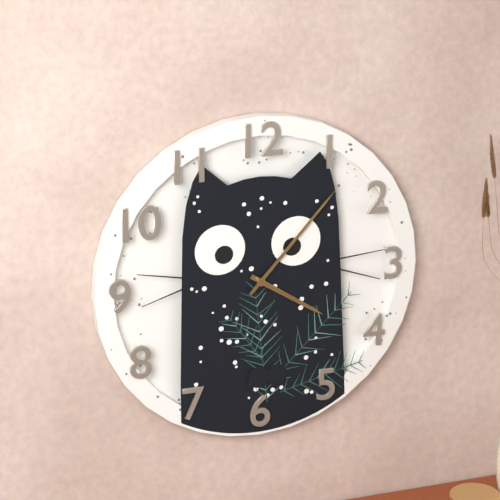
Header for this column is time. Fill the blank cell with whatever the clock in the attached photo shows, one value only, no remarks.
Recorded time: 4:07
